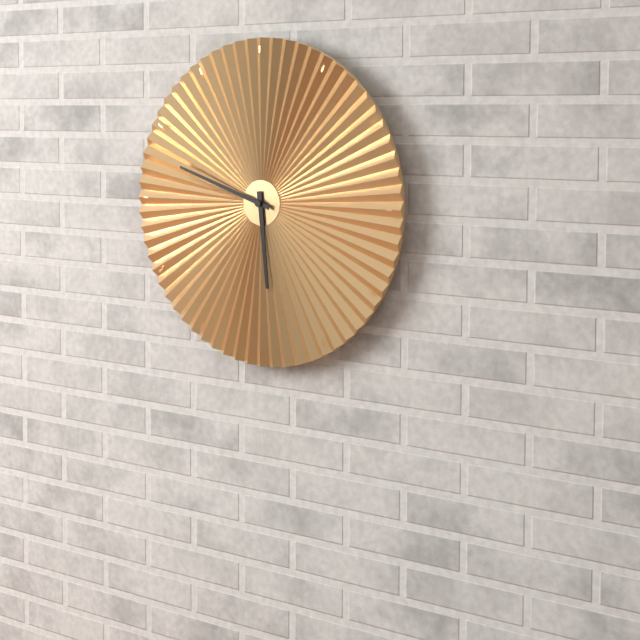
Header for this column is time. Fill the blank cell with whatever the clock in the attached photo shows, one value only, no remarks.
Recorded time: 5:48
